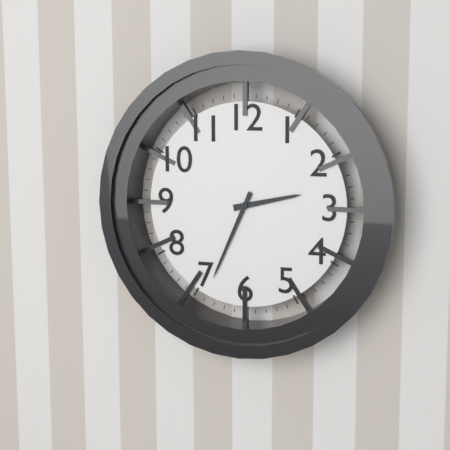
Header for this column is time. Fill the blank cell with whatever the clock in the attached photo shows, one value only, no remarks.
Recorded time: 2:34
